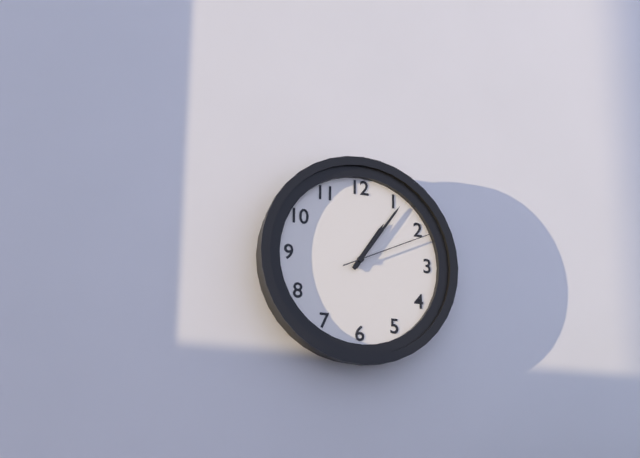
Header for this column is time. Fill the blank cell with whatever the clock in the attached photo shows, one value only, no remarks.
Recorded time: 1:06:11
